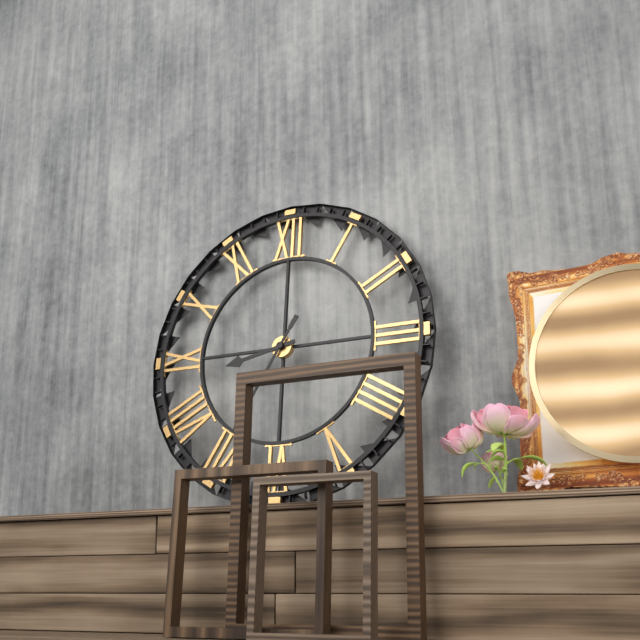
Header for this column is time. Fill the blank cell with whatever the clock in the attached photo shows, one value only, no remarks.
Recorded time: 8:35
